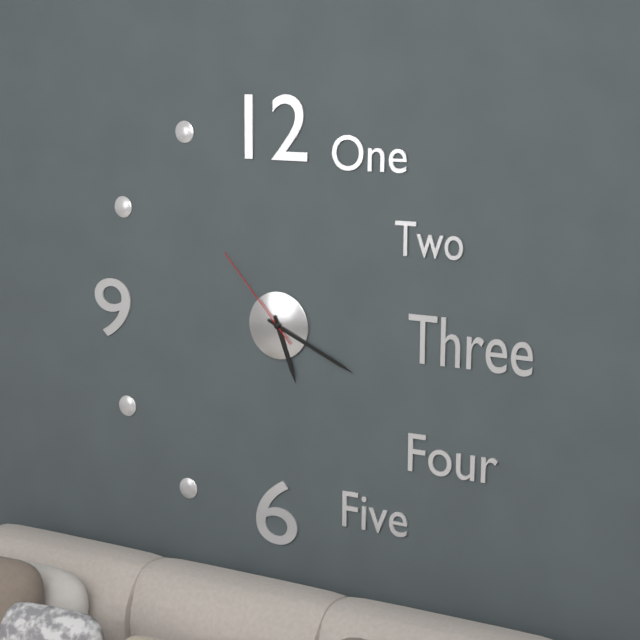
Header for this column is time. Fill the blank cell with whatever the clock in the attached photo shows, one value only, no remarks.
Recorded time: 5:19:53
